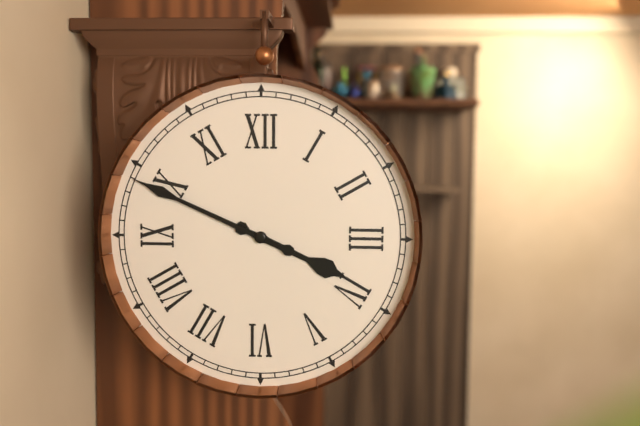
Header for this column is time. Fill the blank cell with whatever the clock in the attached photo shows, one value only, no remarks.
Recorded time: 3:49
